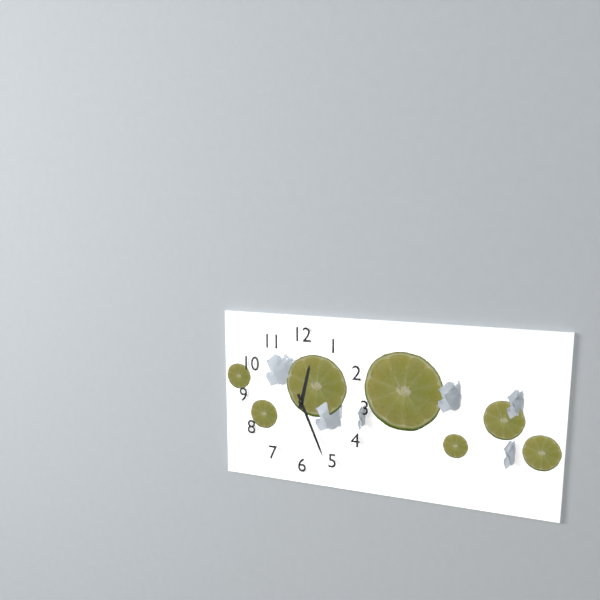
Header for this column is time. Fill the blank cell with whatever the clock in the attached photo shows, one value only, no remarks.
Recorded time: 12:26
